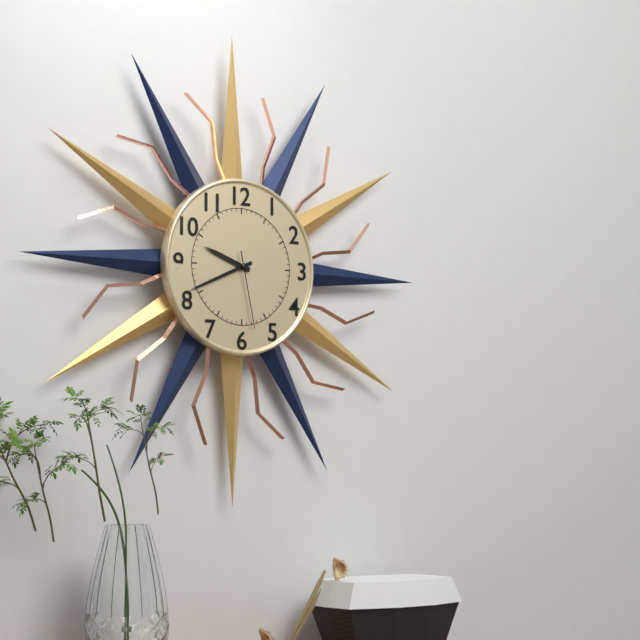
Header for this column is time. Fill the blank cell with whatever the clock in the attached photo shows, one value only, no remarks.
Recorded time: 9:41:28
